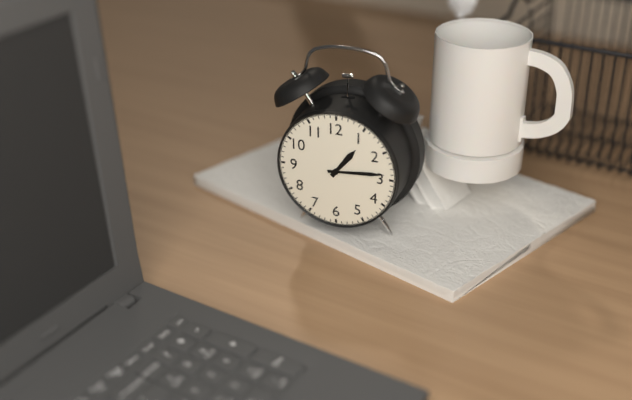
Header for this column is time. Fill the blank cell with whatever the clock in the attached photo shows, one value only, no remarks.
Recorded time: 1:14
